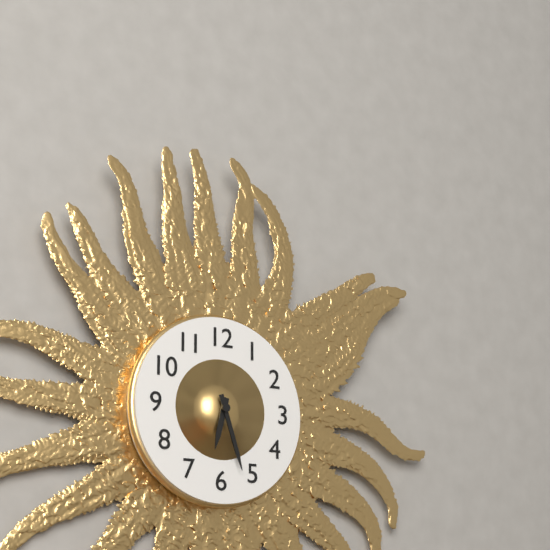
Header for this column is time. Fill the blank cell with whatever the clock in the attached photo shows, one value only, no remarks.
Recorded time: 6:27
